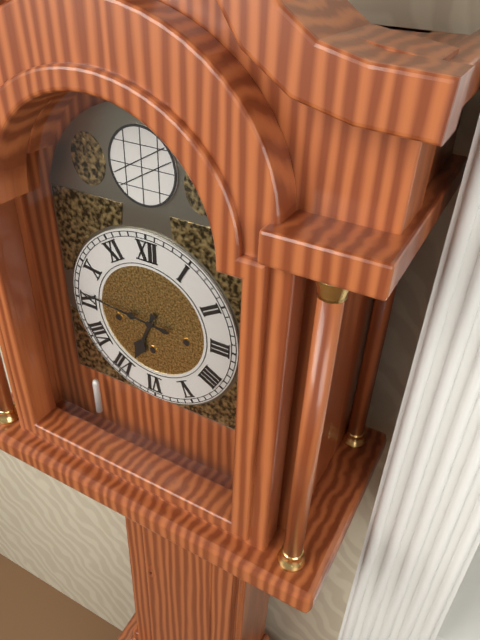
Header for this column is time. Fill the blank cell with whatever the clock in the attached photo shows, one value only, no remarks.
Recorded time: 6:46
